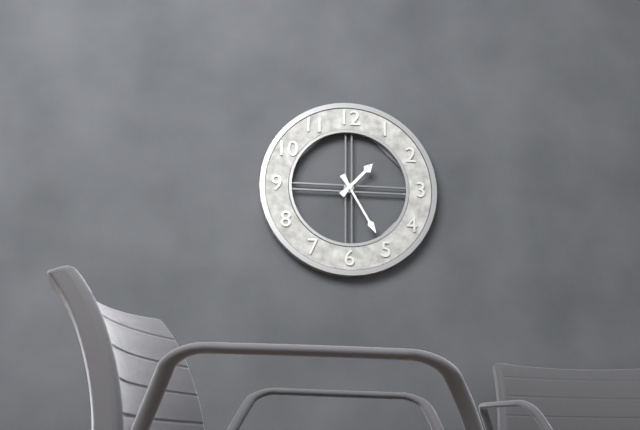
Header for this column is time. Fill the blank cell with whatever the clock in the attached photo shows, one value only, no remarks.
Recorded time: 1:25
